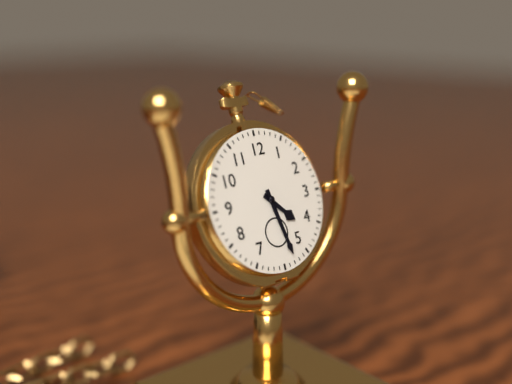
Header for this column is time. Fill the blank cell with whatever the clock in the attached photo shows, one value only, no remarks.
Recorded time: 4:28
